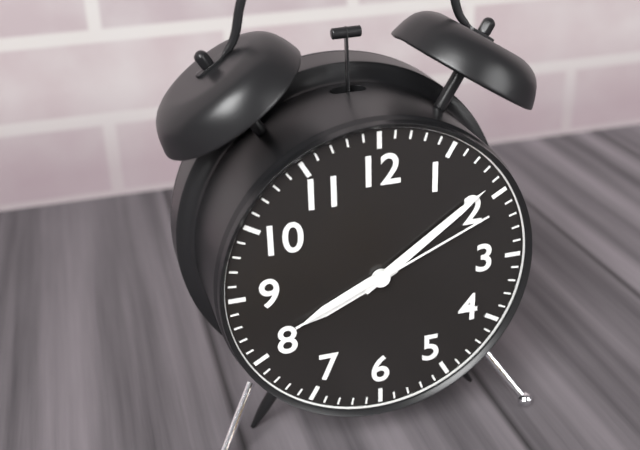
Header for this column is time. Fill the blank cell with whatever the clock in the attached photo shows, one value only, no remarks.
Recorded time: 8:09:11
